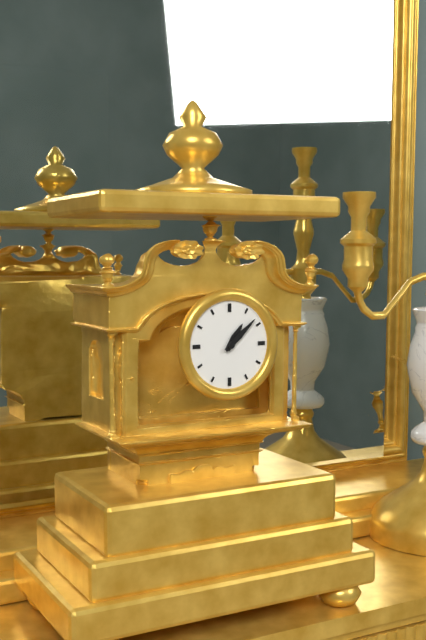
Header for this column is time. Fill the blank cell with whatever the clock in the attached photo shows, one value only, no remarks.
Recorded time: 1:08
